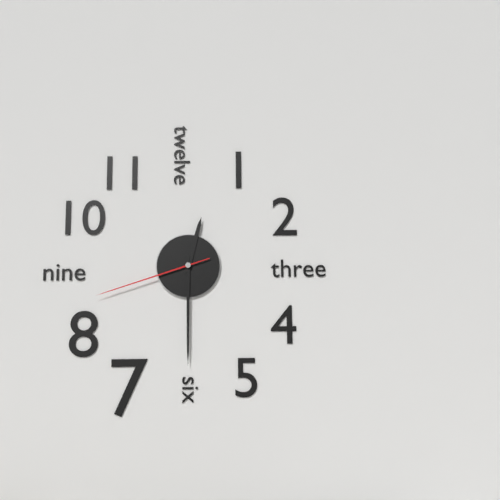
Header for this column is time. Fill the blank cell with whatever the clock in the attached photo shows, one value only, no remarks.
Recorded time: 12:30:42
